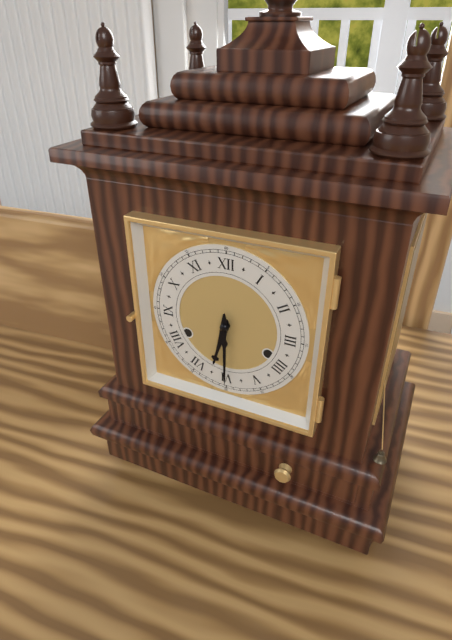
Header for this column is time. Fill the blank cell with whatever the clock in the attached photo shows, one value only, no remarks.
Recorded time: 6:30
